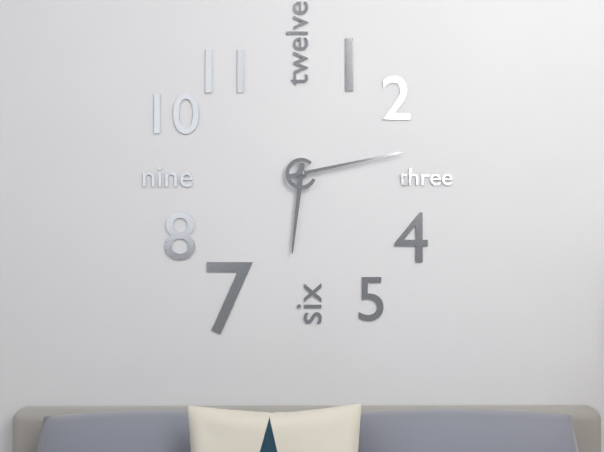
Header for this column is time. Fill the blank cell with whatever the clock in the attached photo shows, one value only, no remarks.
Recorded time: 6:13
